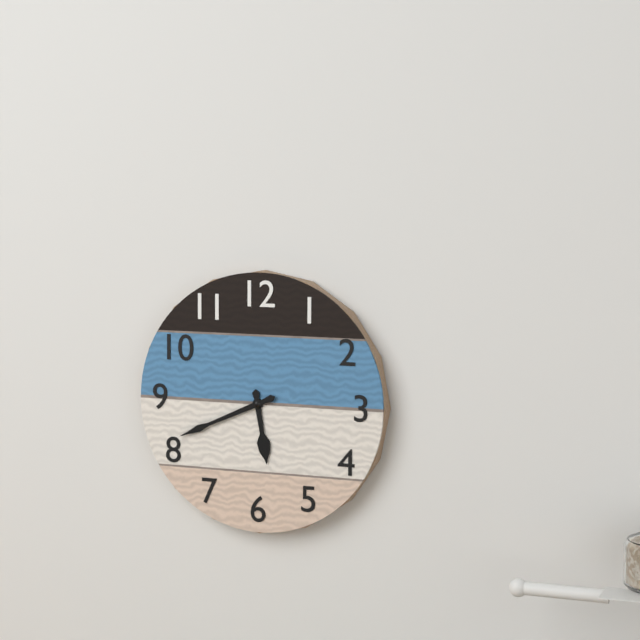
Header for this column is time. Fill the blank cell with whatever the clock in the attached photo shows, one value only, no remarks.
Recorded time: 5:41
